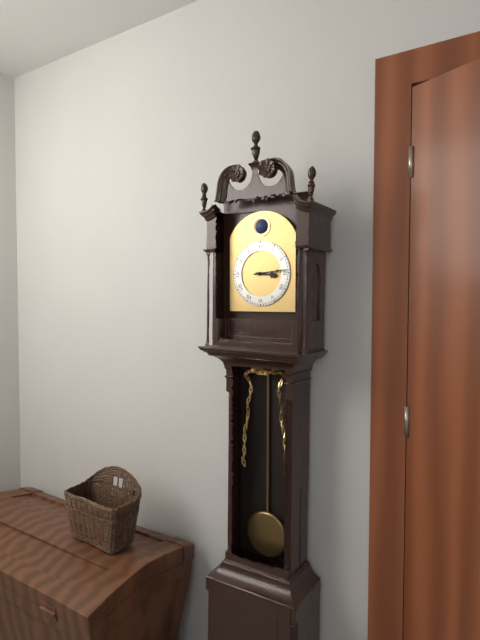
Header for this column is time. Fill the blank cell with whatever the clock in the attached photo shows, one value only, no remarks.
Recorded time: 3:14
